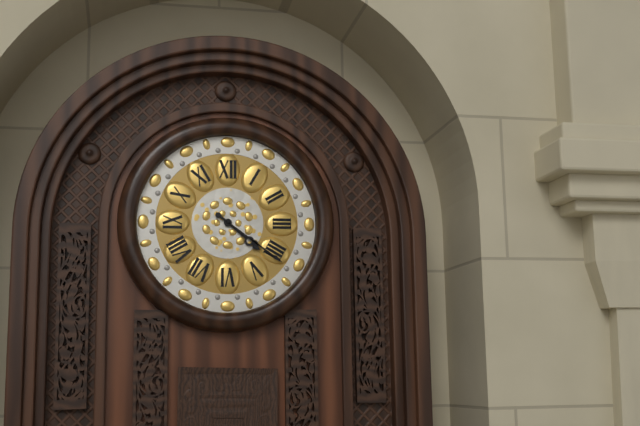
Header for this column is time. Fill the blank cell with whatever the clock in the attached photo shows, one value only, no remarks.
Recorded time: 4:21
